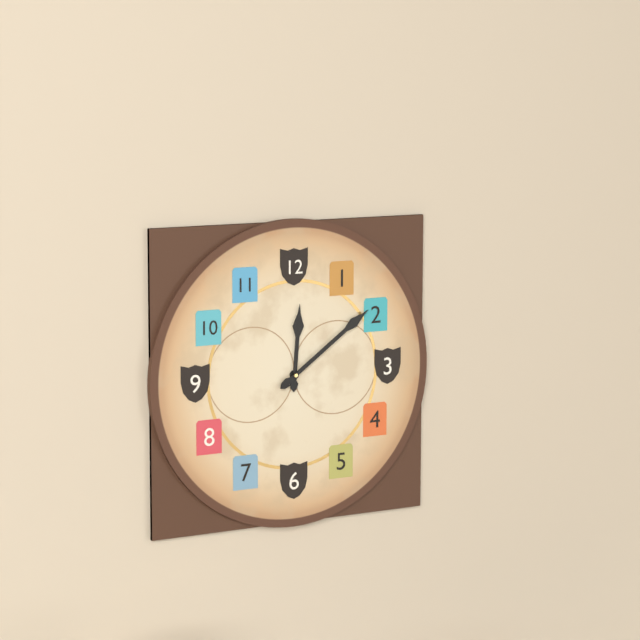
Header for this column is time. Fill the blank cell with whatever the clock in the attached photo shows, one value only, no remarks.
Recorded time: 12:09
